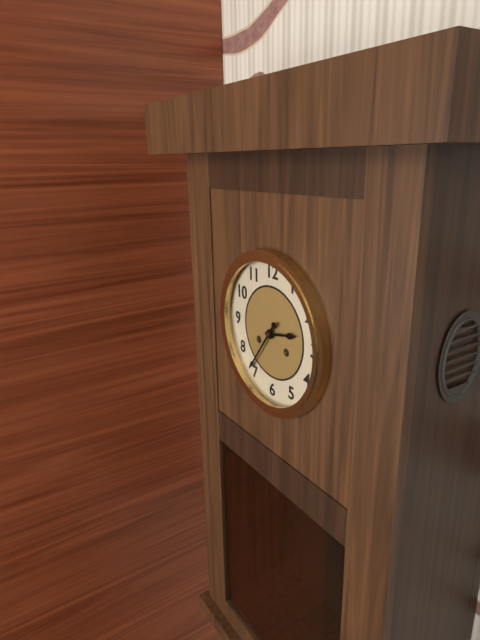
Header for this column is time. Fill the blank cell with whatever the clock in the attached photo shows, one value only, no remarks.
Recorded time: 2:36
